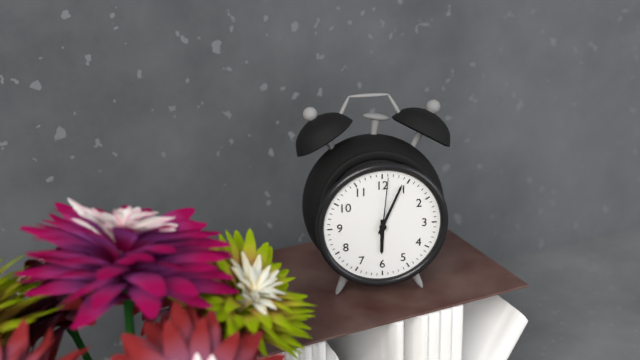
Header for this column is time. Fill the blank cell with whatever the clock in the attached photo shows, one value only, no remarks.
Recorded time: 6:04:01
